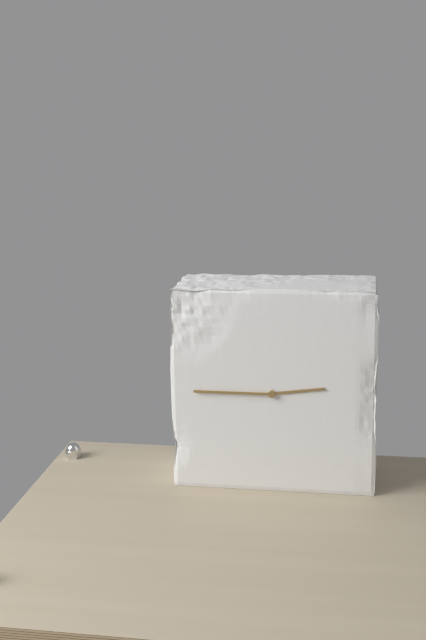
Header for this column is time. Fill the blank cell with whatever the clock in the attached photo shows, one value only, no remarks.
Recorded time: 2:45
